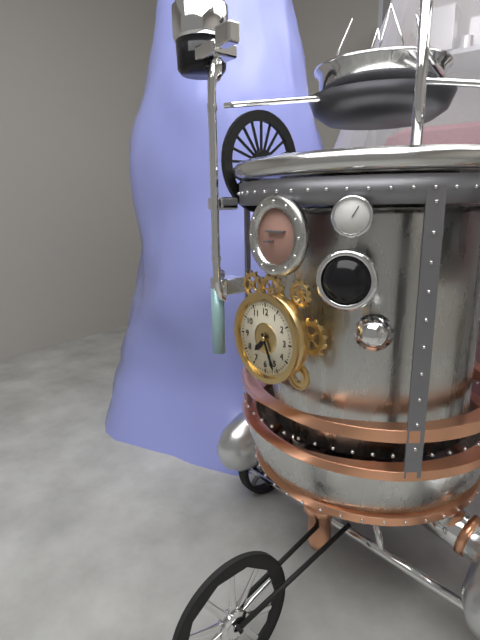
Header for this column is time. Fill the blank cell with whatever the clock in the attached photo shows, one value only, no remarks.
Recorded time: 7:26
